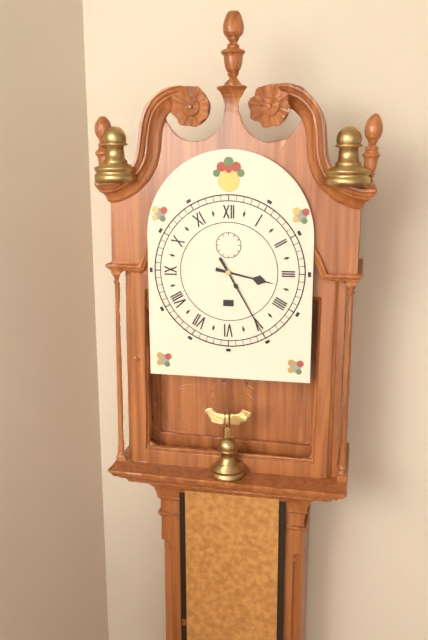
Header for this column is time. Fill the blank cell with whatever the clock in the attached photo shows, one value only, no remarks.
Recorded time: 3:25
